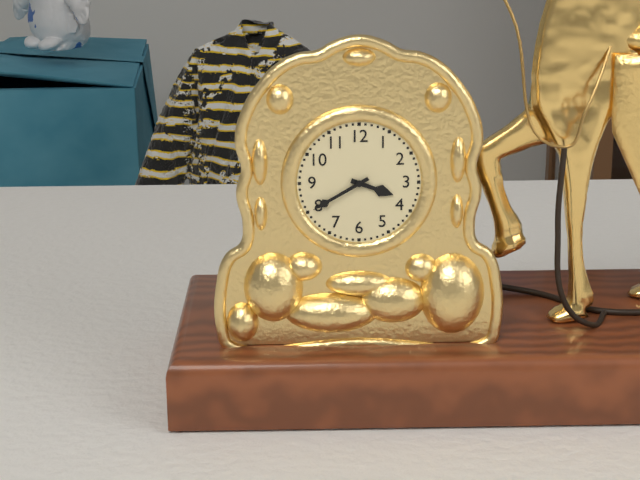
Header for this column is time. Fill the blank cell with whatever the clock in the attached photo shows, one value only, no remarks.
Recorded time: 3:40
